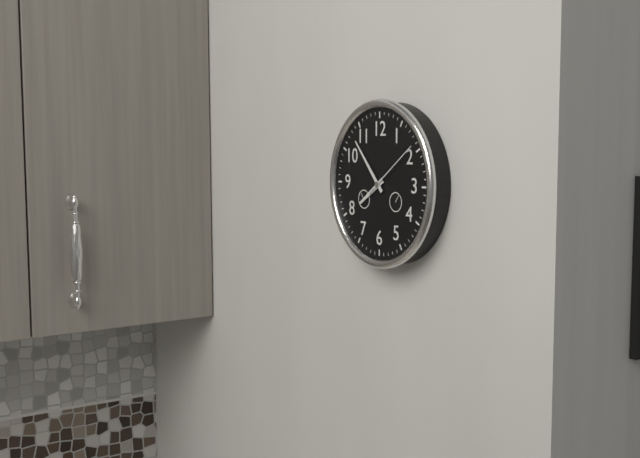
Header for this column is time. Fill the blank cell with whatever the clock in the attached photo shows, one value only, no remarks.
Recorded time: 7:53:09
